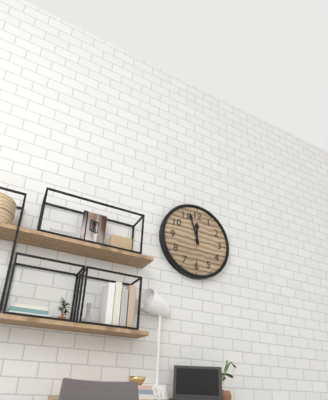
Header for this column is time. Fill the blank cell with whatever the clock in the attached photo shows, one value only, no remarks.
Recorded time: 11:57
